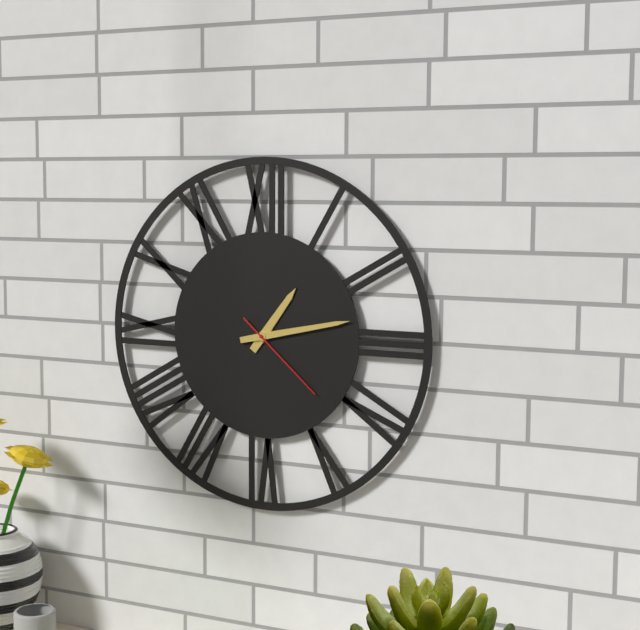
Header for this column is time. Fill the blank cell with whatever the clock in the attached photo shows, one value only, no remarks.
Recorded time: 1:13:22
